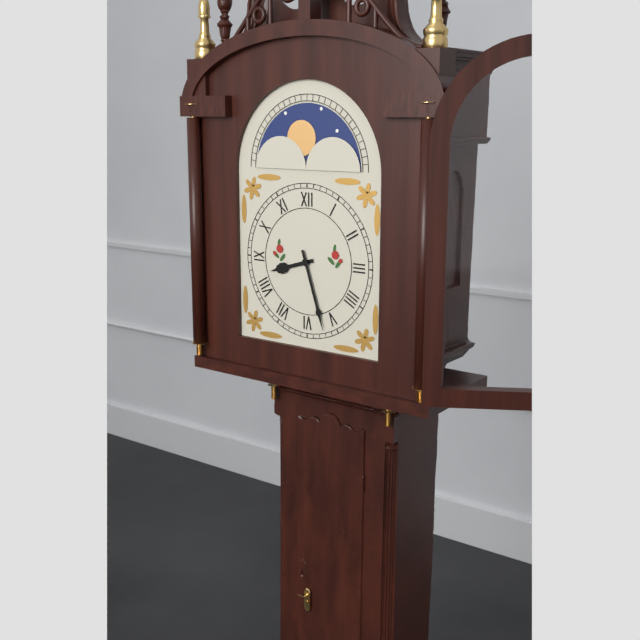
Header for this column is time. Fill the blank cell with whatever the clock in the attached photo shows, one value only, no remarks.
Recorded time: 8:27
